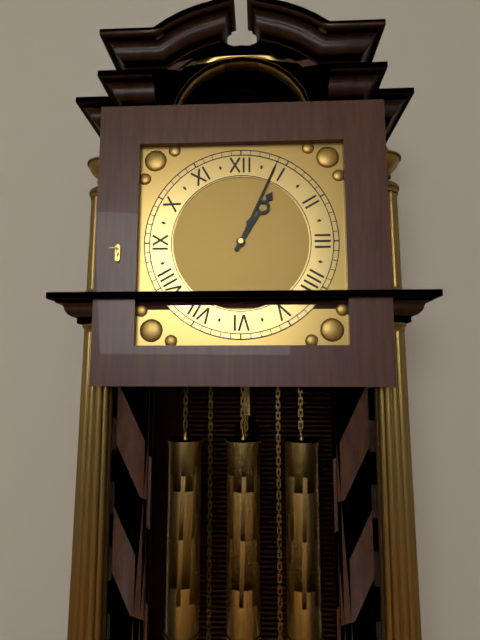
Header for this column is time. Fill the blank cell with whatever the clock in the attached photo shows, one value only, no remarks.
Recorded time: 1:04
